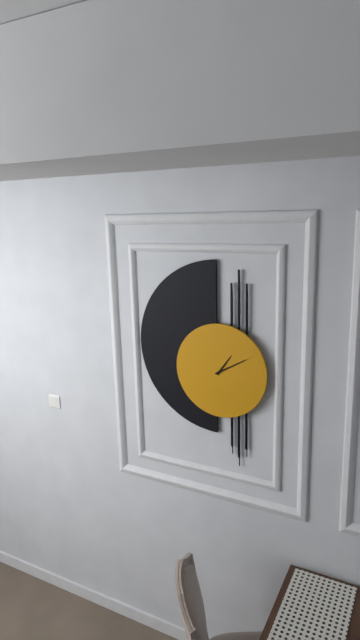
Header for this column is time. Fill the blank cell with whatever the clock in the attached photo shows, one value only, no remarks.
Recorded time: 1:10
